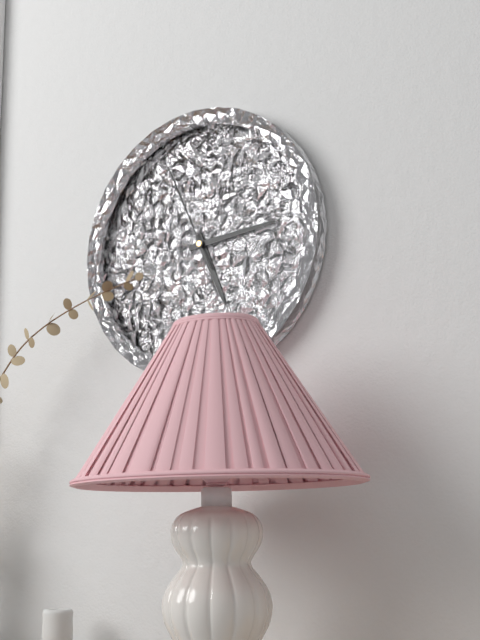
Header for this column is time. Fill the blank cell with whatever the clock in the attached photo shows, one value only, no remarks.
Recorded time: 5:14:56
